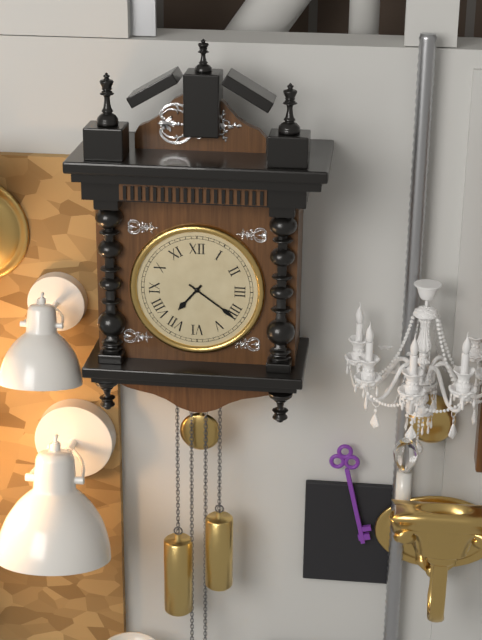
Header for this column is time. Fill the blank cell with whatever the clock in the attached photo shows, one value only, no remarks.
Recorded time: 7:21
